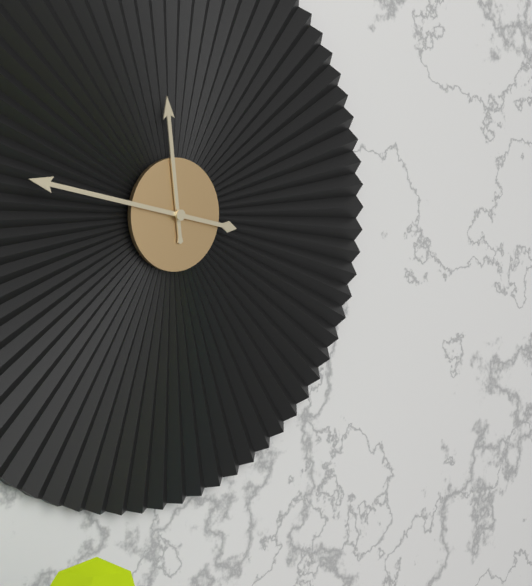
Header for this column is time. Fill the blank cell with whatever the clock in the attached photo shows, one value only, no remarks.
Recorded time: 11:47
